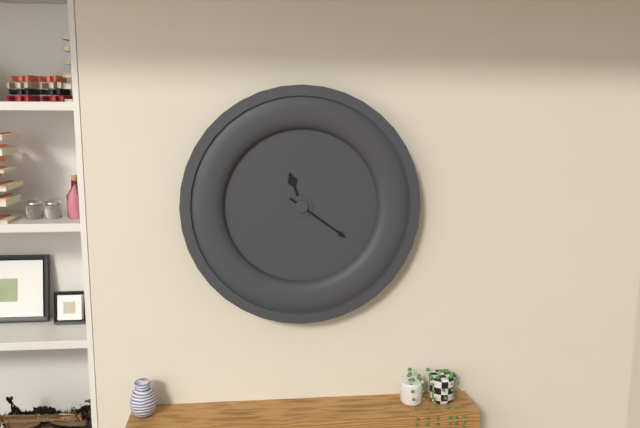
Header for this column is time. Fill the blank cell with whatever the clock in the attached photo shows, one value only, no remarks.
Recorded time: 11:21
